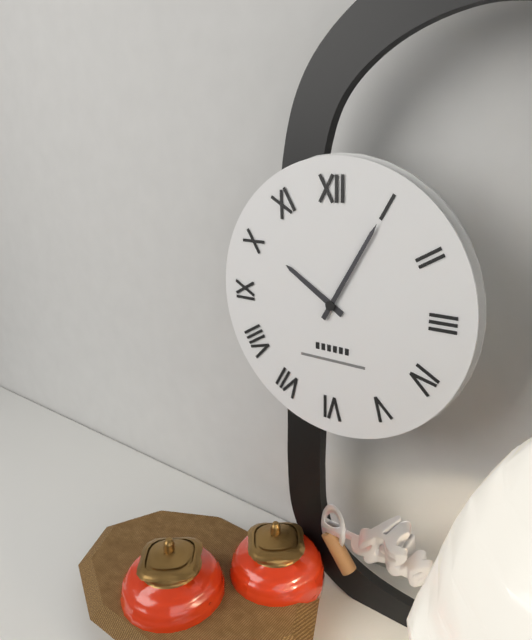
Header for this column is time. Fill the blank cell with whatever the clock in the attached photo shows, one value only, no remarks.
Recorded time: 10:05
